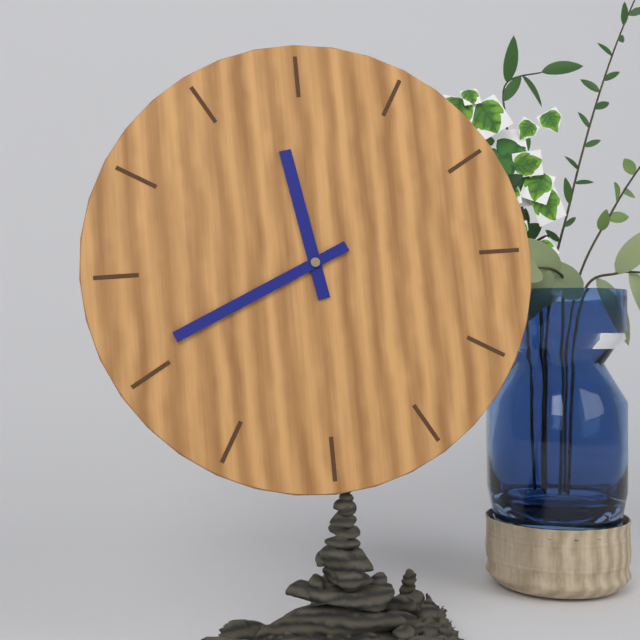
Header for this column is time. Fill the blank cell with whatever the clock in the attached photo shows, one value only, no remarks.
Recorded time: 11:41
